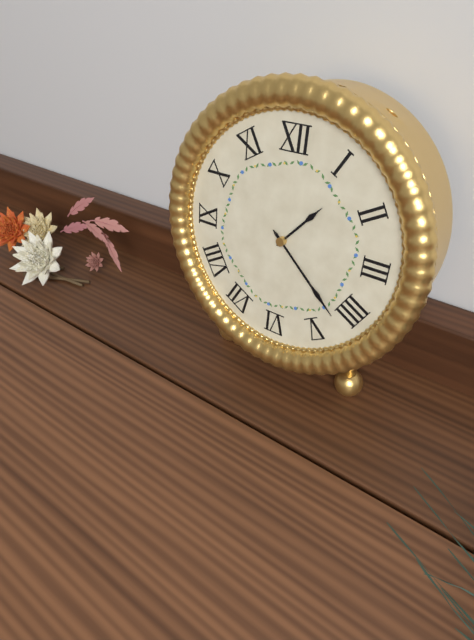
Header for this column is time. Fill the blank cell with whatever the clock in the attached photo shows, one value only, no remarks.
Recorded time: 1:22
